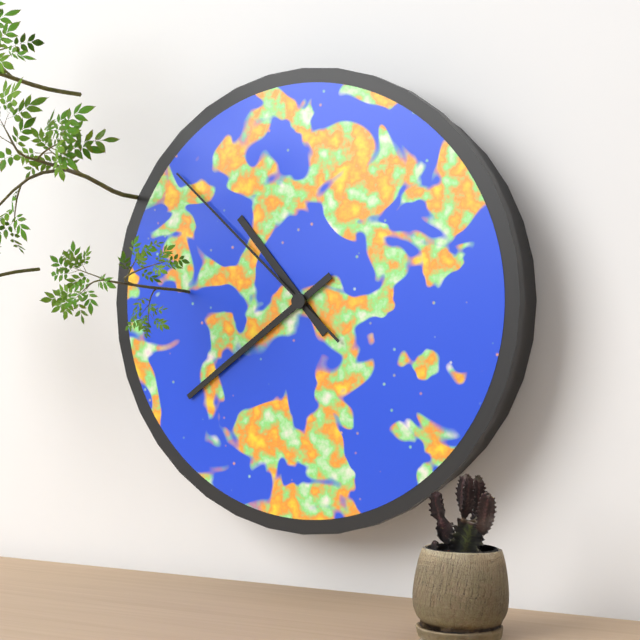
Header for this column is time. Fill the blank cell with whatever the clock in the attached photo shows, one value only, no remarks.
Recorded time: 10:39:52
